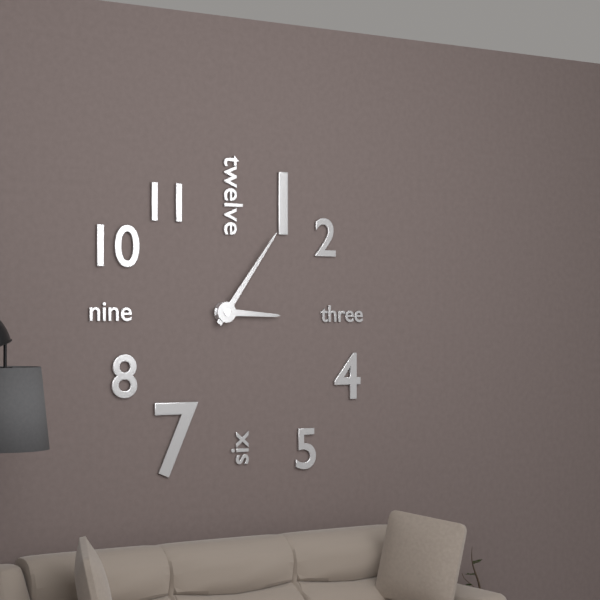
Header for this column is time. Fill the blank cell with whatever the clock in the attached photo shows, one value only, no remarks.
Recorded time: 3:06
